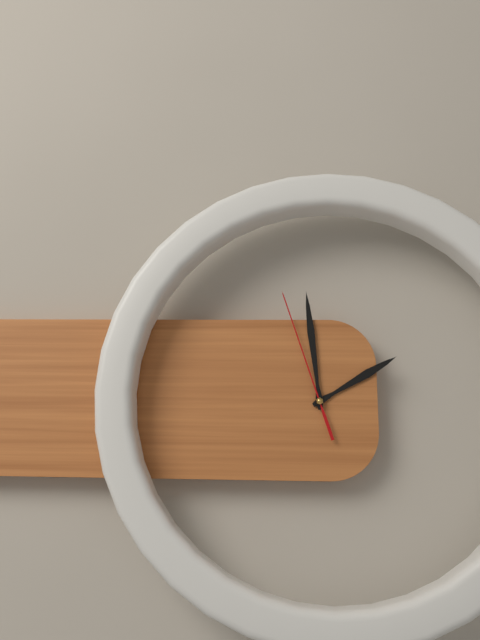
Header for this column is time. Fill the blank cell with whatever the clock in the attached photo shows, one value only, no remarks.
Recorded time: 1:59:57
